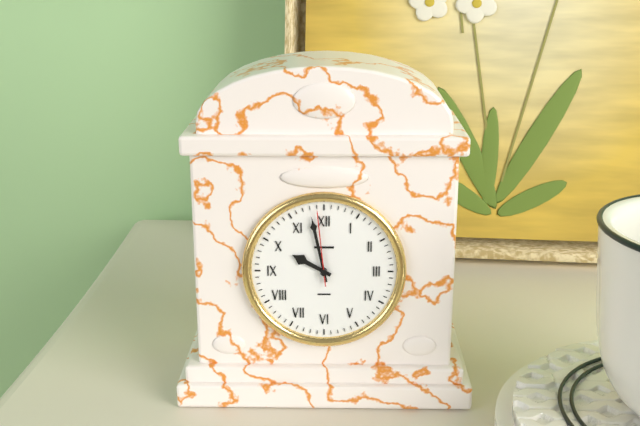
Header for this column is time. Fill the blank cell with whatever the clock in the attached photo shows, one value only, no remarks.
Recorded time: 9:58:59
